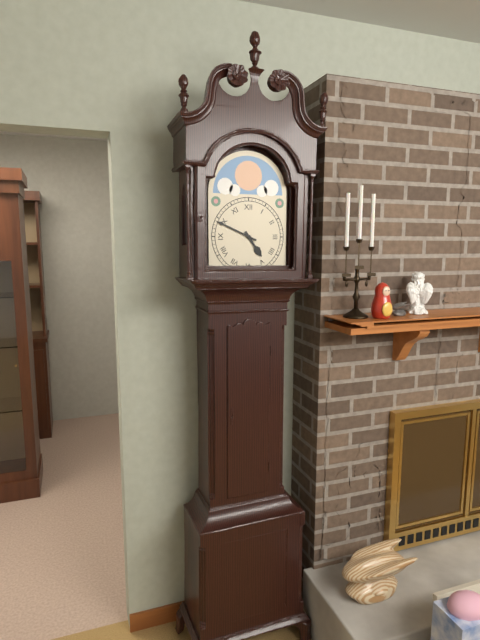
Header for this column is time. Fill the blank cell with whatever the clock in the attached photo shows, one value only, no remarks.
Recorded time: 4:49
